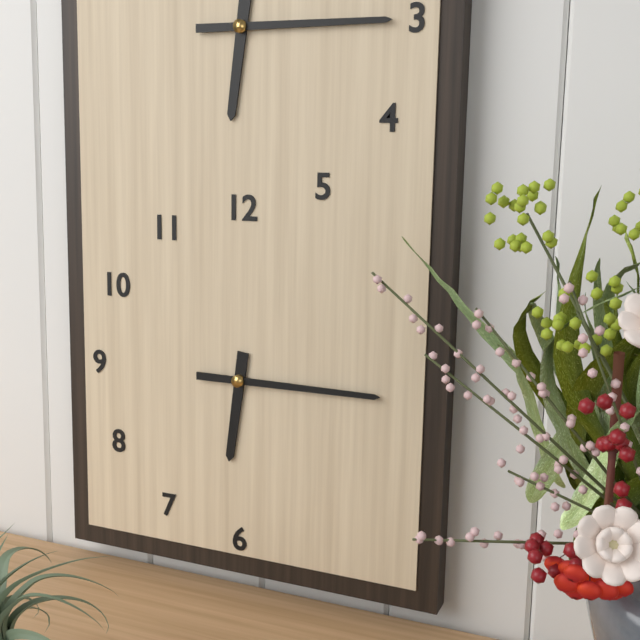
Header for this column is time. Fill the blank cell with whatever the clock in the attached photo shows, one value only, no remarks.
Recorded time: 6:15
